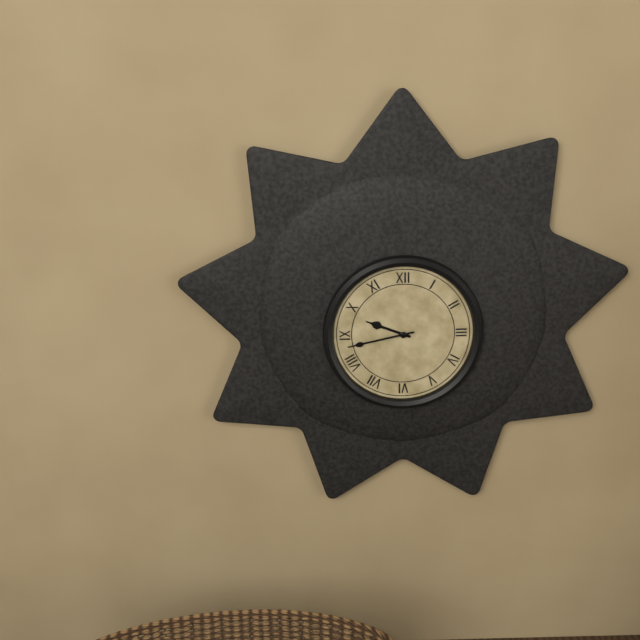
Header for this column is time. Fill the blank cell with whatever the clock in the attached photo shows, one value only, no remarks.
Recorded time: 9:43
